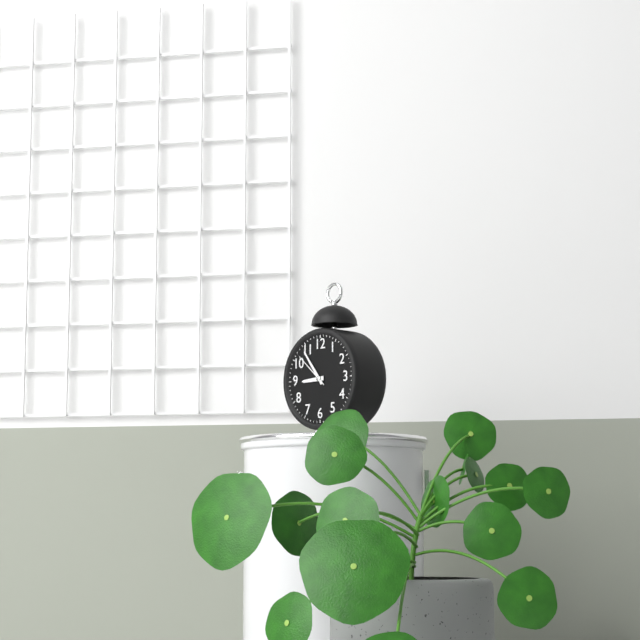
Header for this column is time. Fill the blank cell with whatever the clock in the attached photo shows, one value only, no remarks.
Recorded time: 8:54
